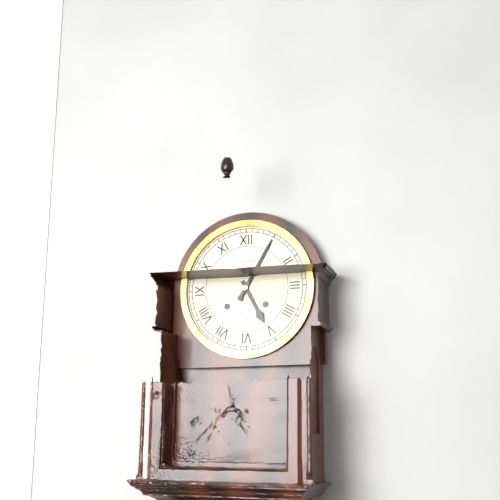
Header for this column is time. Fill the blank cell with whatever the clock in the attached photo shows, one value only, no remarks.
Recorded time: 5:05
